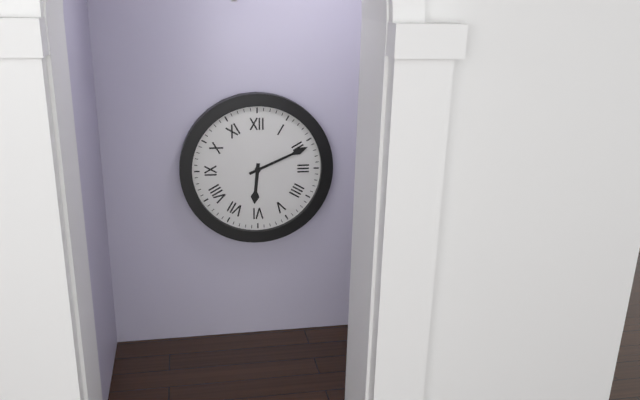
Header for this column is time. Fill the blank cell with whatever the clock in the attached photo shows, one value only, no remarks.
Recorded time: 6:11
